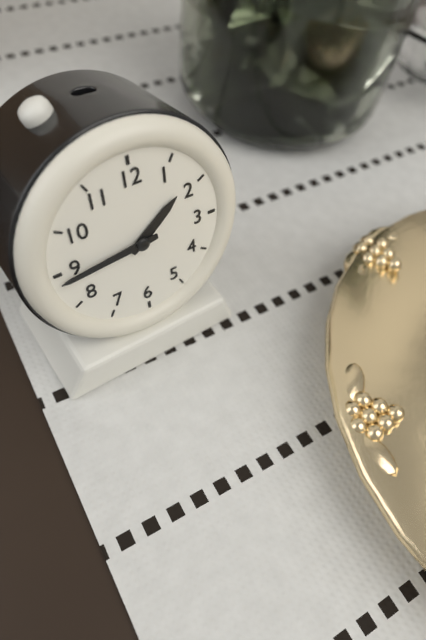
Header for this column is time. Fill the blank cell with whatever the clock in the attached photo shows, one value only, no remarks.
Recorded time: 1:44
